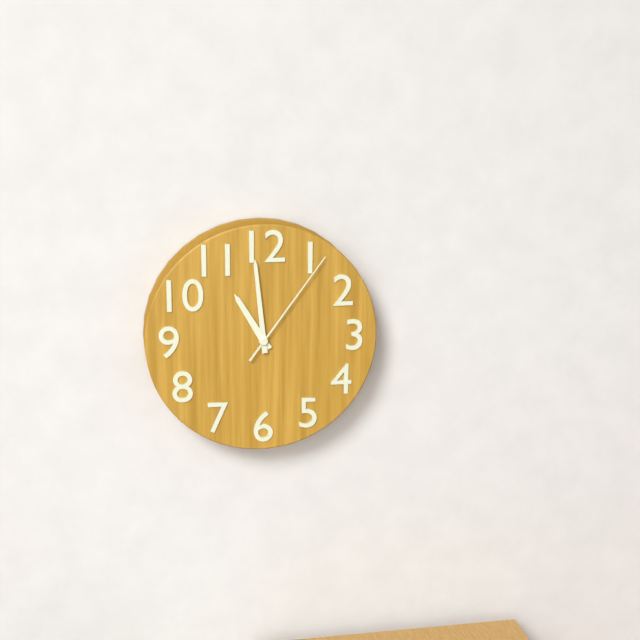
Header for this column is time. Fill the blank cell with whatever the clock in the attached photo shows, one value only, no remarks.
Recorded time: 10:59:06
